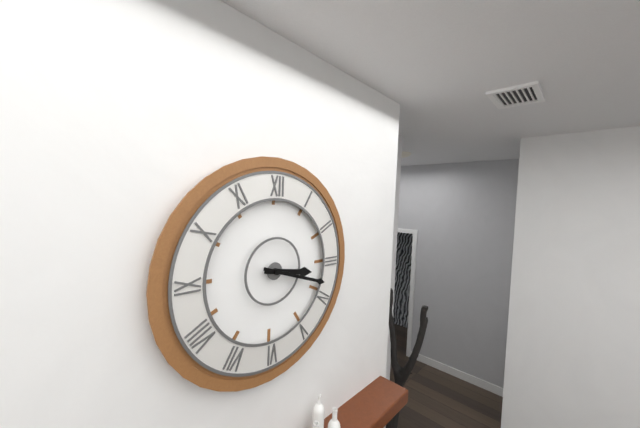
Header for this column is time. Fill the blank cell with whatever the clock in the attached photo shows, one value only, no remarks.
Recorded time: 3:18
